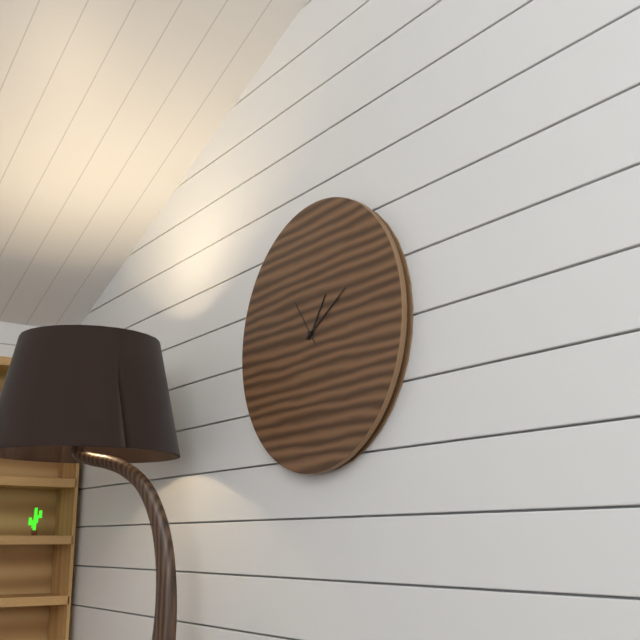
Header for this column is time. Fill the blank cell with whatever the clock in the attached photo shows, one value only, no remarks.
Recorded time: 1:10
